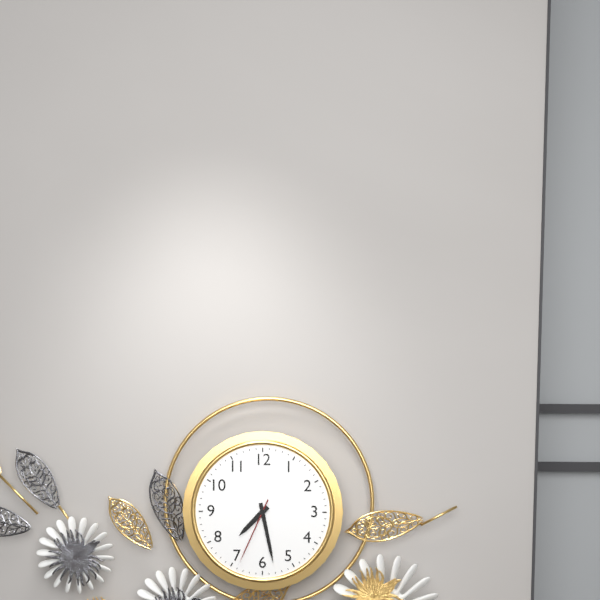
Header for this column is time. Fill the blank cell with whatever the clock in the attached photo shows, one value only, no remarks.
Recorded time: 7:28:34
